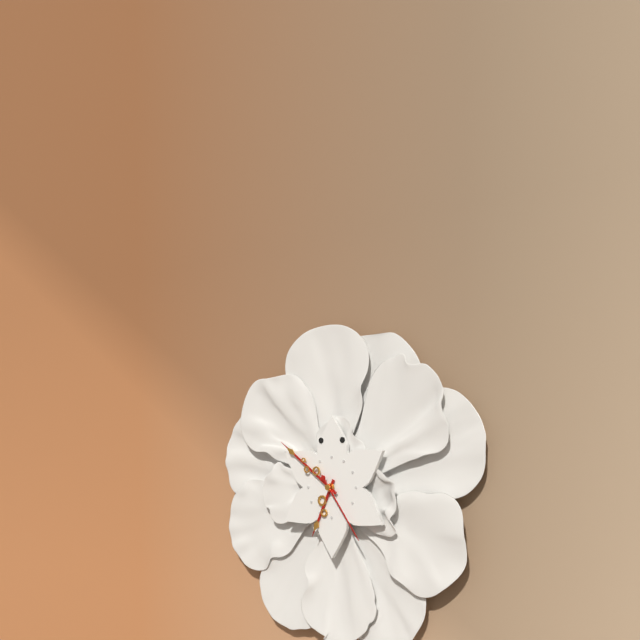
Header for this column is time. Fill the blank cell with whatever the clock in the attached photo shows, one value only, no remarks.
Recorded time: 6:51:24
